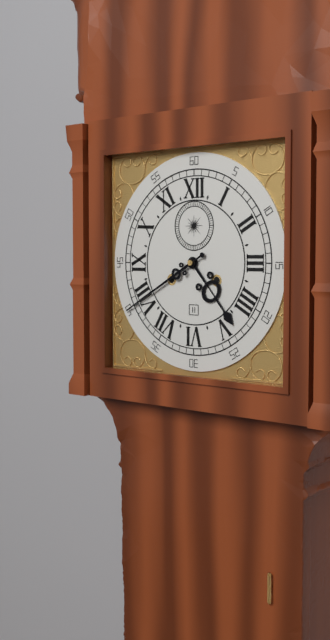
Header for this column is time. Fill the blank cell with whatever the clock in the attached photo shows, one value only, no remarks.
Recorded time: 4:40
